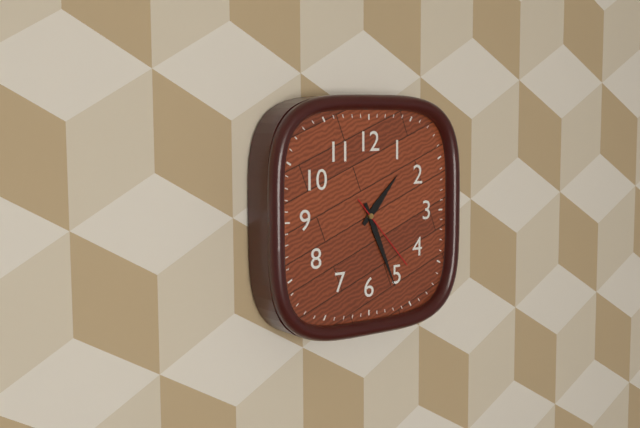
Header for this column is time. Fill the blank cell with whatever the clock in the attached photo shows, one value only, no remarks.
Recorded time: 1:26:23
